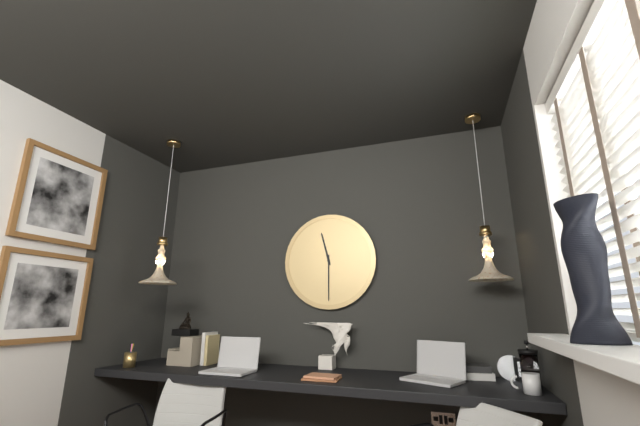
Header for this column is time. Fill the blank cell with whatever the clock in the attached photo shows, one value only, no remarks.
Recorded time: 11:30
